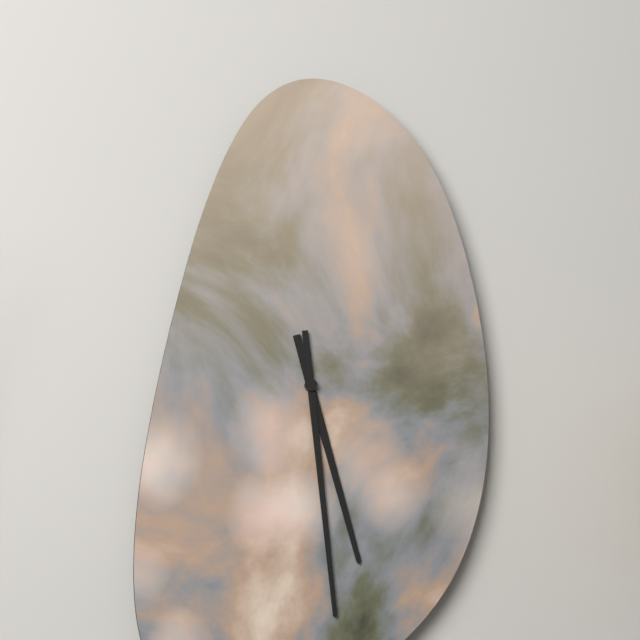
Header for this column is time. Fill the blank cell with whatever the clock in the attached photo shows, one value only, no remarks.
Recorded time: 5:29
